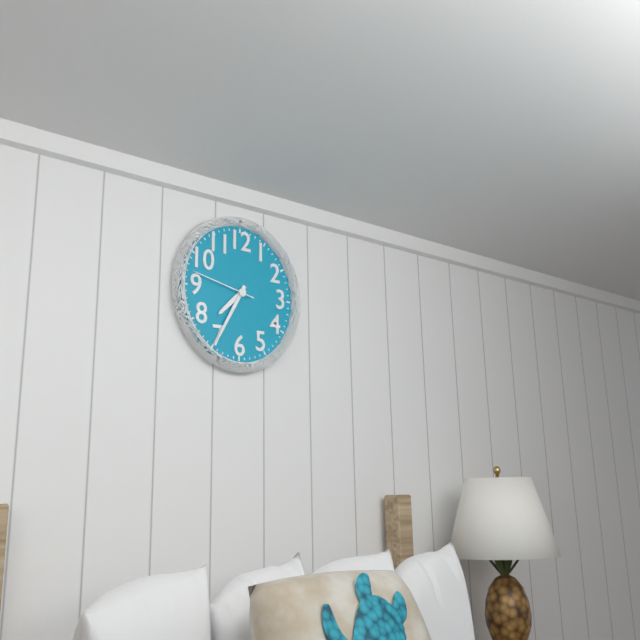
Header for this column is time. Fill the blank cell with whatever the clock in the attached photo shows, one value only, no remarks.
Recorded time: 7:35:47
